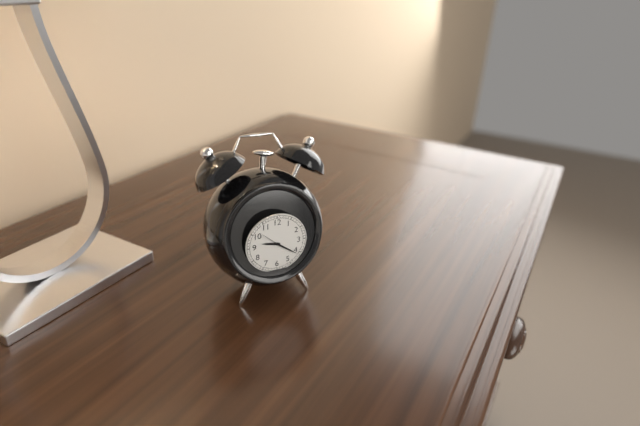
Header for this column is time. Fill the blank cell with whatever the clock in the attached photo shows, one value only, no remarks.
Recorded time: 9:21
